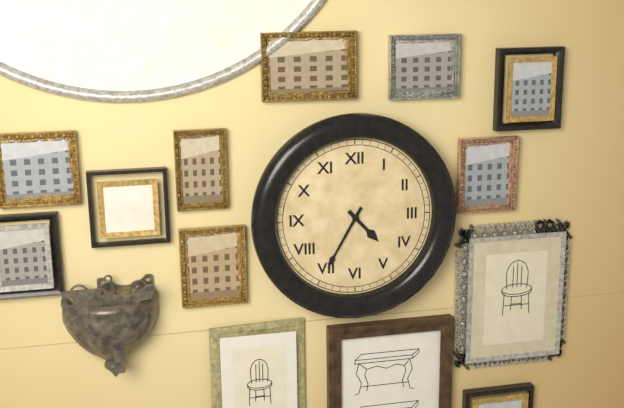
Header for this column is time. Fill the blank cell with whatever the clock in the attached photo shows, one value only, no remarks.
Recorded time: 4:35
